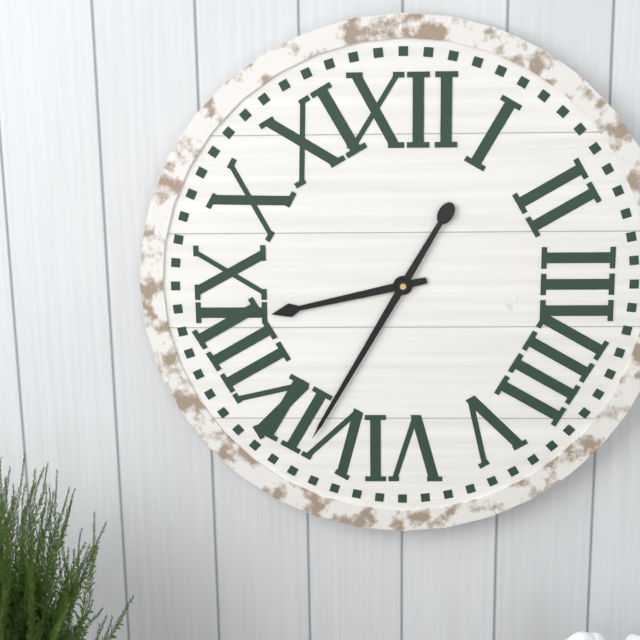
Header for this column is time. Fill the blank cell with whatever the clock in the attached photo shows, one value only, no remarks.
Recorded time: 8:35
